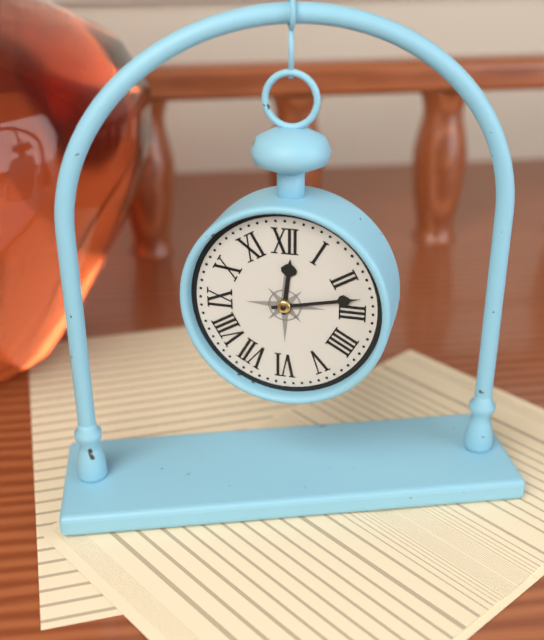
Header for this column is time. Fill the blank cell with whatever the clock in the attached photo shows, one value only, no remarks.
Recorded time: 12:13
